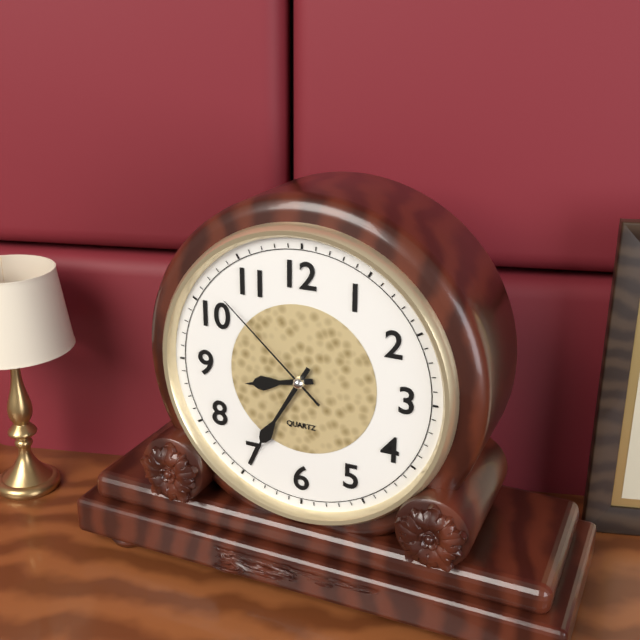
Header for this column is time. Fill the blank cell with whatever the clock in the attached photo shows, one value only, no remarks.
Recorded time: 8:35:52
